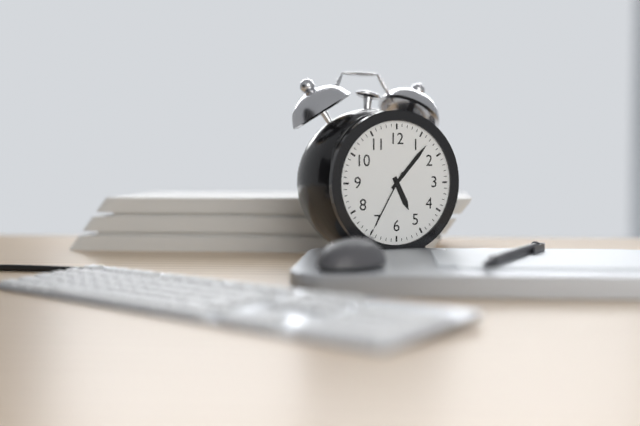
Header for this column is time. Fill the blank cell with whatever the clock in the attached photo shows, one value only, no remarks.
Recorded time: 5:07:35
